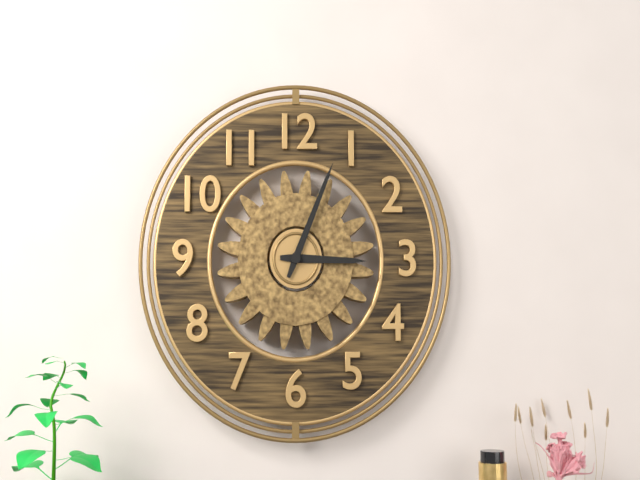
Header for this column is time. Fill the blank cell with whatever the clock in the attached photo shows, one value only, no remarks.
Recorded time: 3:04
